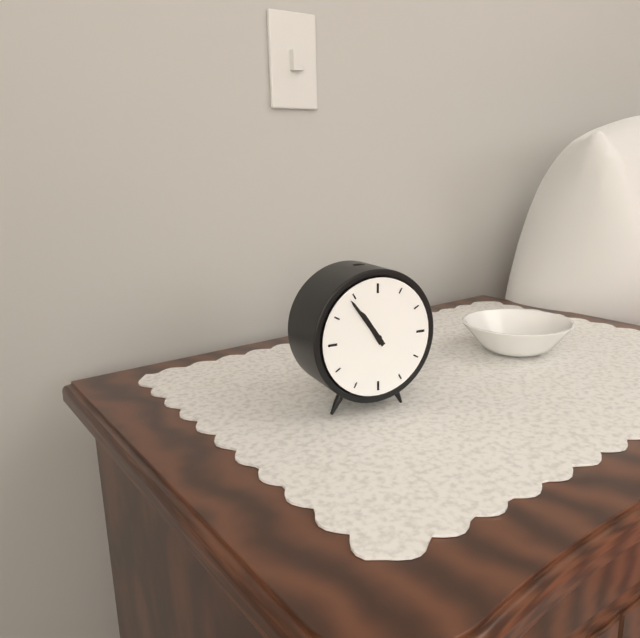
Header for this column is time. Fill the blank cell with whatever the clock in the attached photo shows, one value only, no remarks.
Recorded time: 10:54
